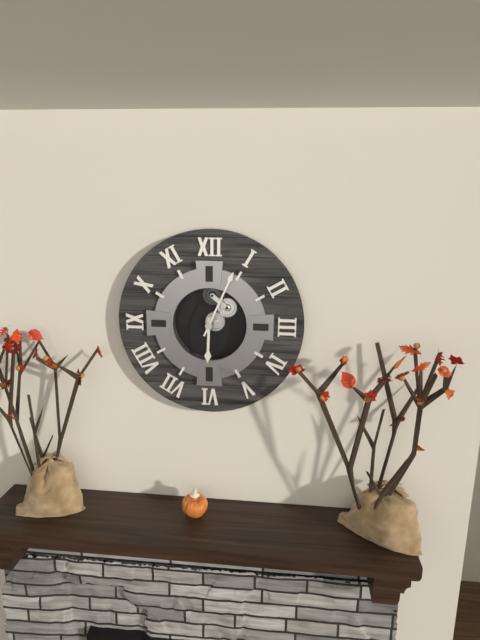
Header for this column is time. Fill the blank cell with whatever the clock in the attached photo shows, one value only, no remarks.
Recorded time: 6:04
